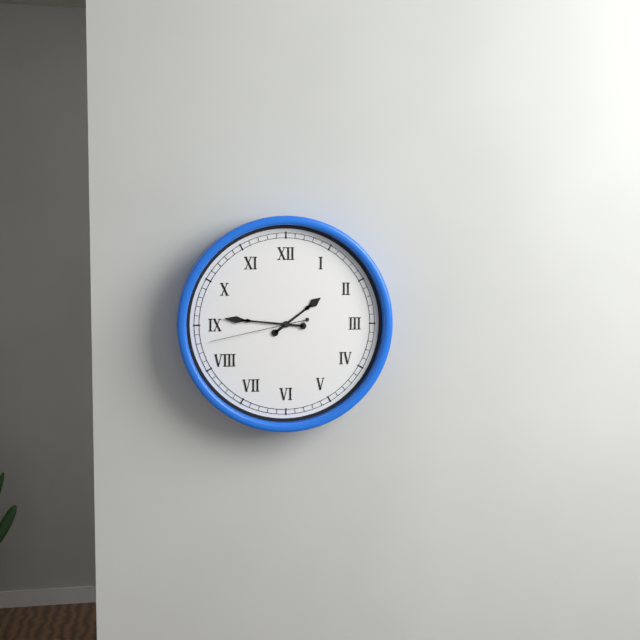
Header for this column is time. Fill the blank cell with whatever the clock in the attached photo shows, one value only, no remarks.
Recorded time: 1:46:43
